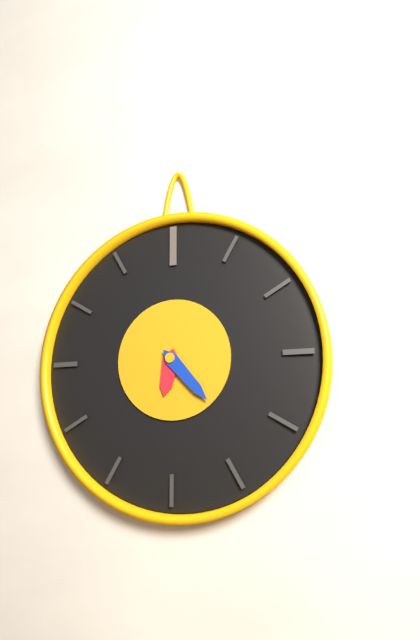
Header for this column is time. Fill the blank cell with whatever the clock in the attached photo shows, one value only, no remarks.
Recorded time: 6:23
